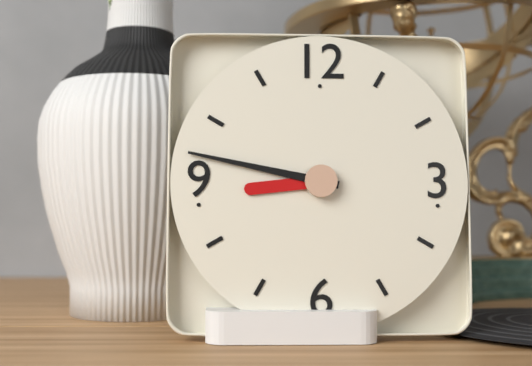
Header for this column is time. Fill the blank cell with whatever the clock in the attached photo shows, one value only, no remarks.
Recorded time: 8:47
